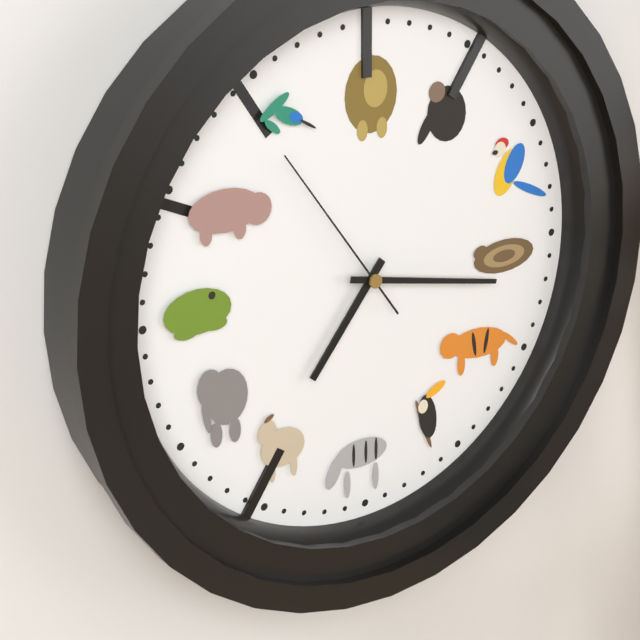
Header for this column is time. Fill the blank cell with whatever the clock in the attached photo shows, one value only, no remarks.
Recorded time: 7:17:54
